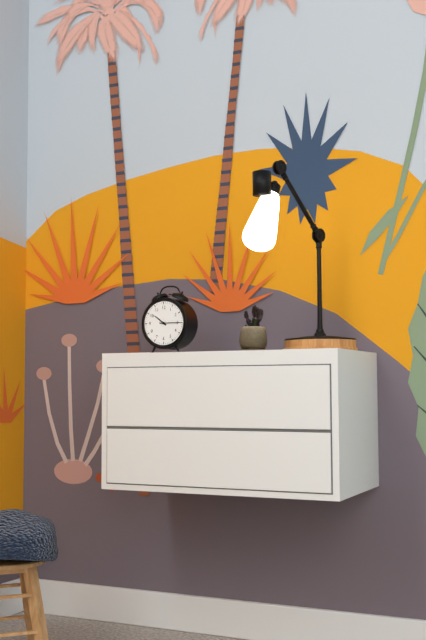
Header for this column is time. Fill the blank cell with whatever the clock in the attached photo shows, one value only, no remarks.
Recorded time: 10:15
